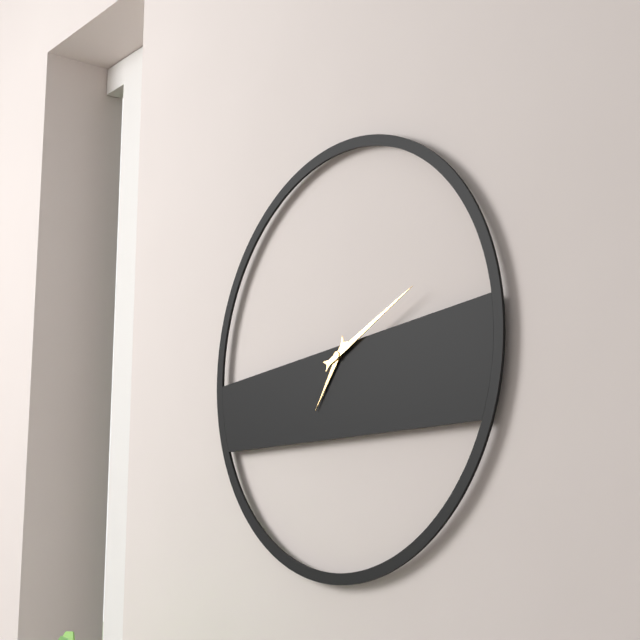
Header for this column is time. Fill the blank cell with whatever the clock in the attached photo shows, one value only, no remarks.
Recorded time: 7:11
